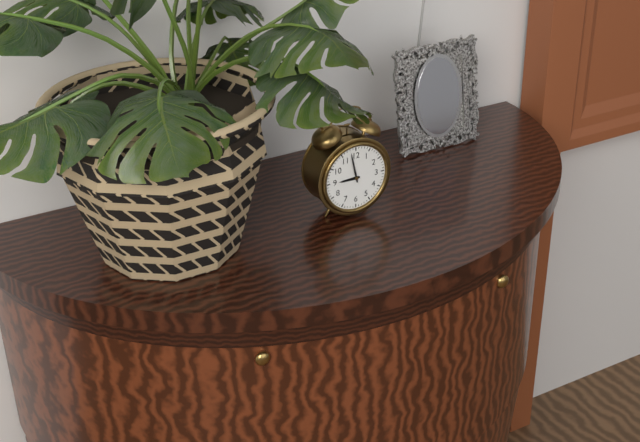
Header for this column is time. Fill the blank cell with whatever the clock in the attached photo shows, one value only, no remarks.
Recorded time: 8:58
